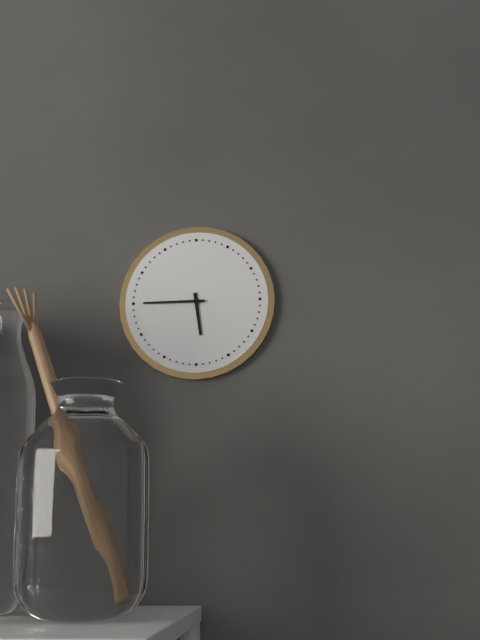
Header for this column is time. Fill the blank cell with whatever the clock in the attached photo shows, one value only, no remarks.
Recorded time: 5:45
